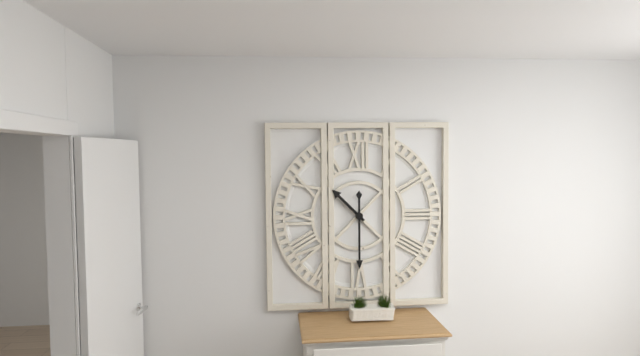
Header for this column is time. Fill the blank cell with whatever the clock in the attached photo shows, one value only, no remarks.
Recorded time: 10:30
